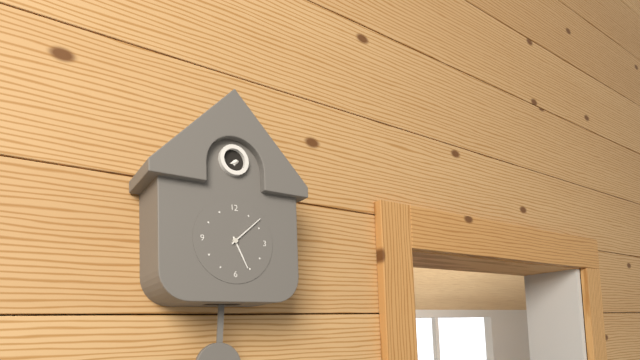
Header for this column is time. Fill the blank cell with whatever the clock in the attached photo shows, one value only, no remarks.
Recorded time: 5:08
